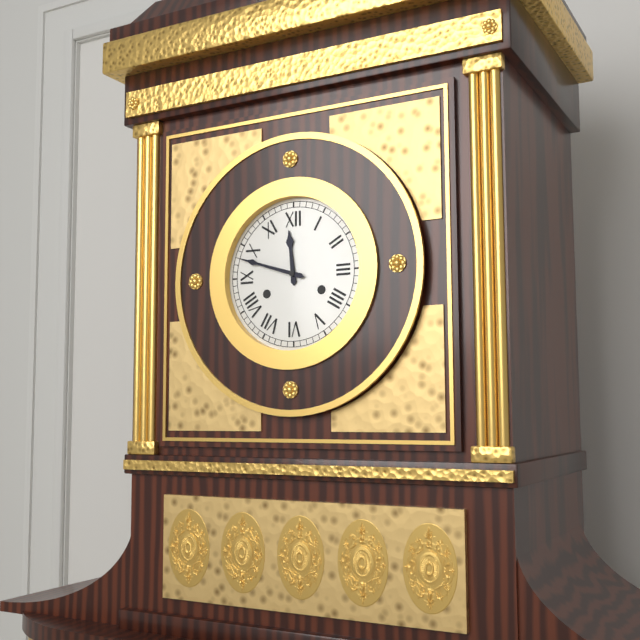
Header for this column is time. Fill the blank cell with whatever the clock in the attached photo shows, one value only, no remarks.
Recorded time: 11:48
